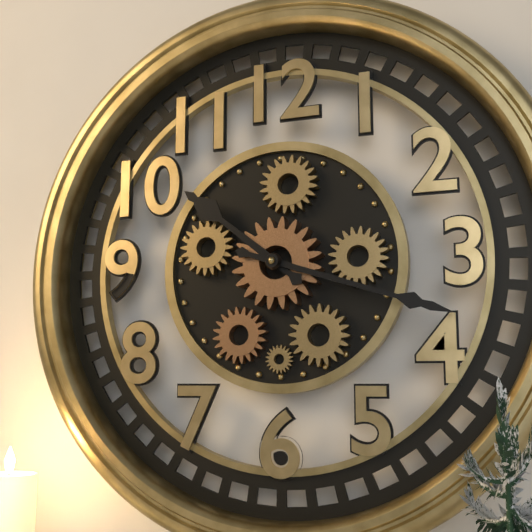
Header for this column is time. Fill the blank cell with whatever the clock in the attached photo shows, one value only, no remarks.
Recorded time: 10:18
